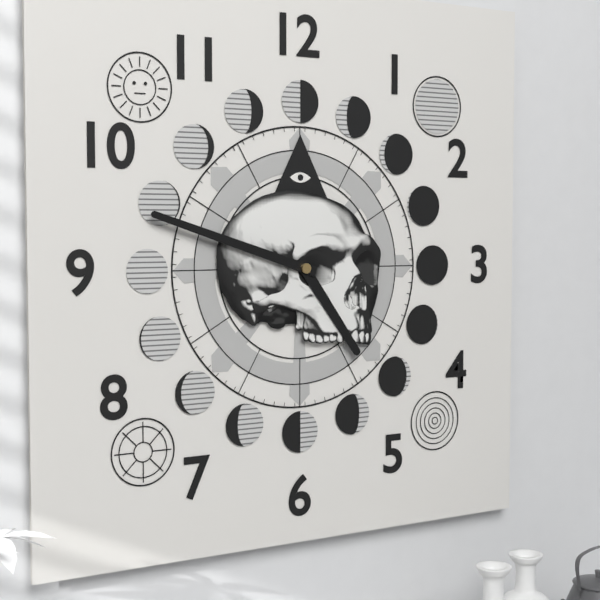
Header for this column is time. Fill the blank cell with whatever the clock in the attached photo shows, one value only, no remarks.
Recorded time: 4:48
